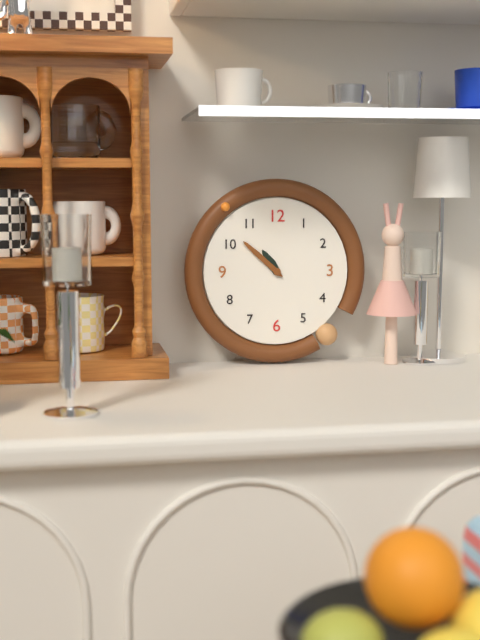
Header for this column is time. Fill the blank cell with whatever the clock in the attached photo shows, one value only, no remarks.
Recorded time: 10:52
